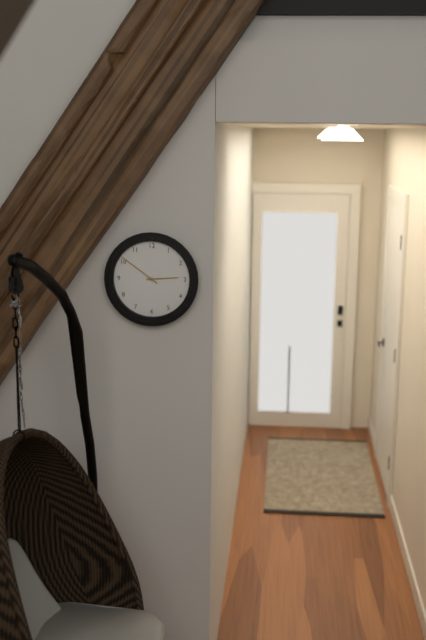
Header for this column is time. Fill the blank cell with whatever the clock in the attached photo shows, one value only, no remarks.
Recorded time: 2:51
